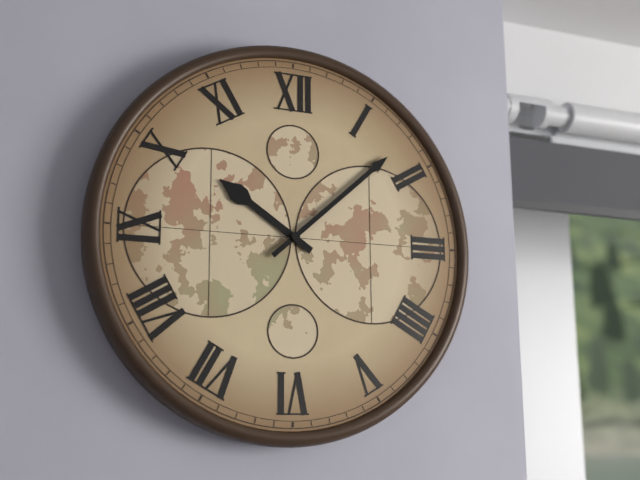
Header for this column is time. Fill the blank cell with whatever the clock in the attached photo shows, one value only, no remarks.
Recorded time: 10:08
